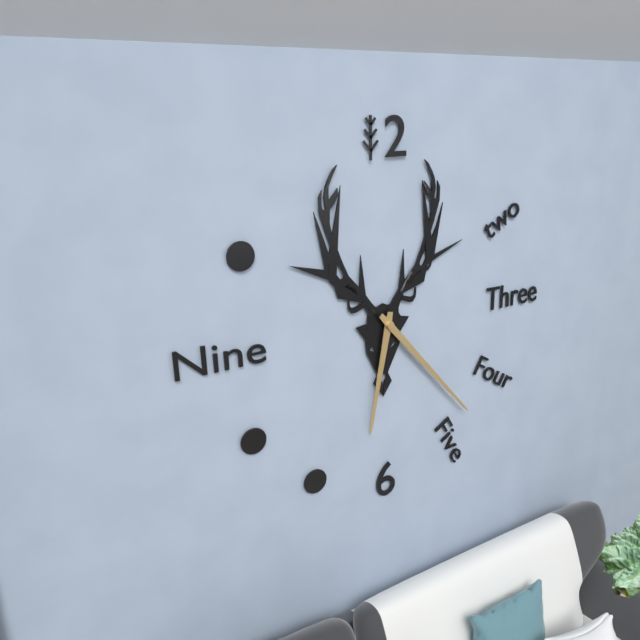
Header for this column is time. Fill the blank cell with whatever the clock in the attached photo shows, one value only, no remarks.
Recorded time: 6:23
